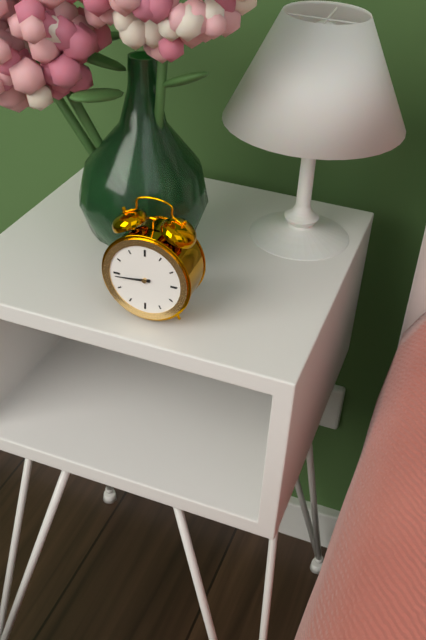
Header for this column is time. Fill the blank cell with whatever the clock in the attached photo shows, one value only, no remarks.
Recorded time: 8:44
